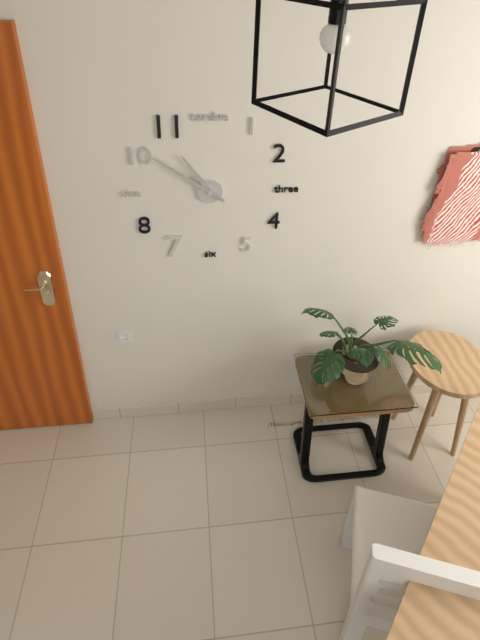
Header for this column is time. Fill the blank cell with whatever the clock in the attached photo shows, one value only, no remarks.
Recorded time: 10:51
